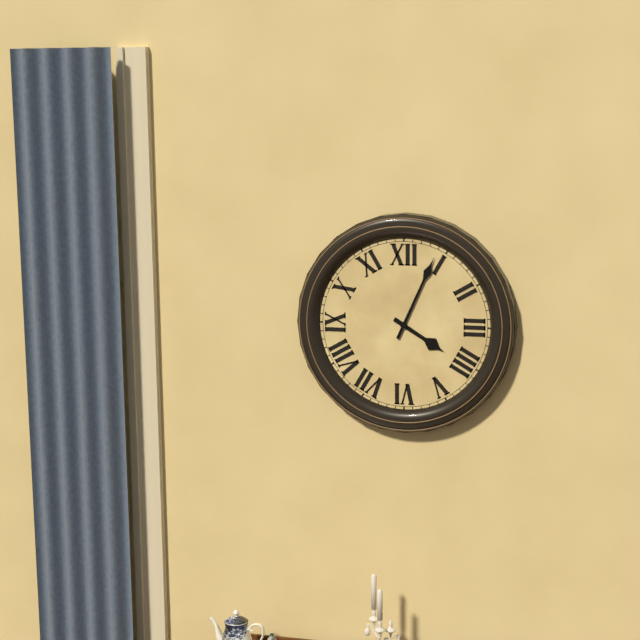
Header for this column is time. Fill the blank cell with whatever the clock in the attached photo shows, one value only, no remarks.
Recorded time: 4:04
